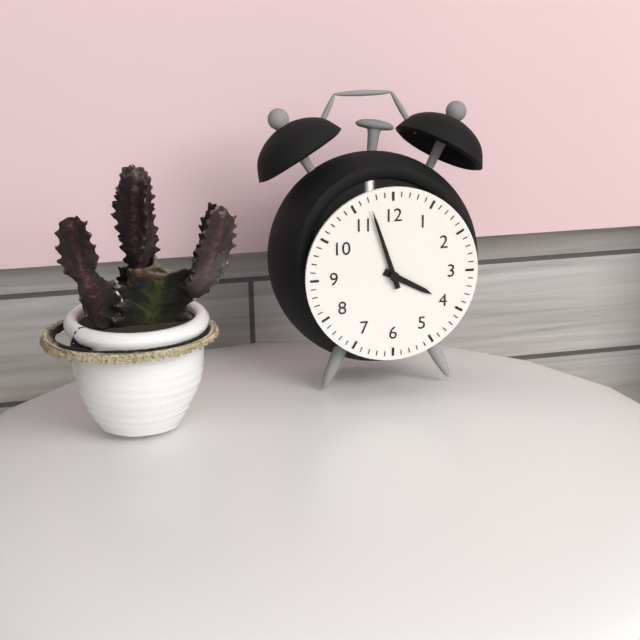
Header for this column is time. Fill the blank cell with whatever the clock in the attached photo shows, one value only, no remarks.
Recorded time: 3:57
